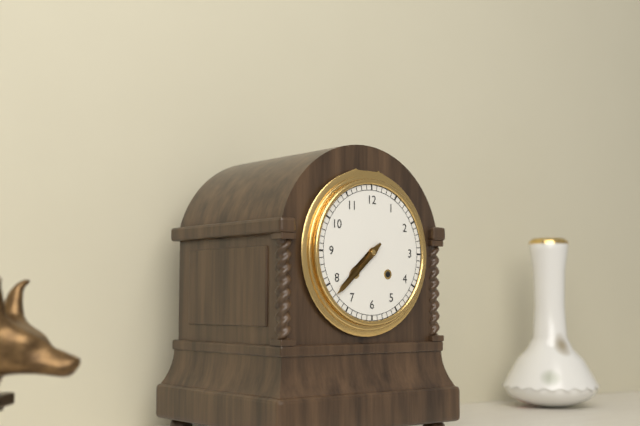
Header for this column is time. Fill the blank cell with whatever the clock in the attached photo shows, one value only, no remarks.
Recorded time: 7:38
